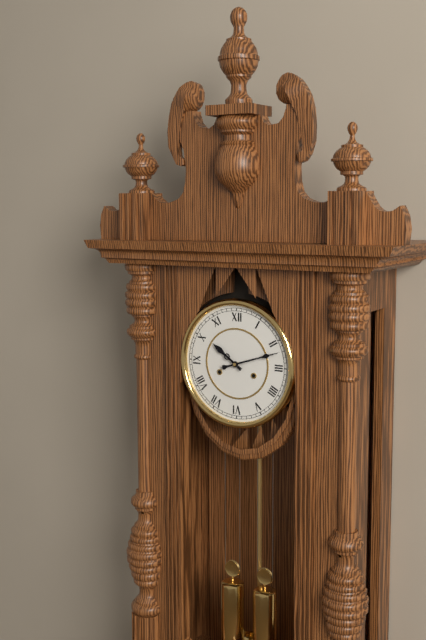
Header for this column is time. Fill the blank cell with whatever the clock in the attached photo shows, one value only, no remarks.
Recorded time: 10:12
